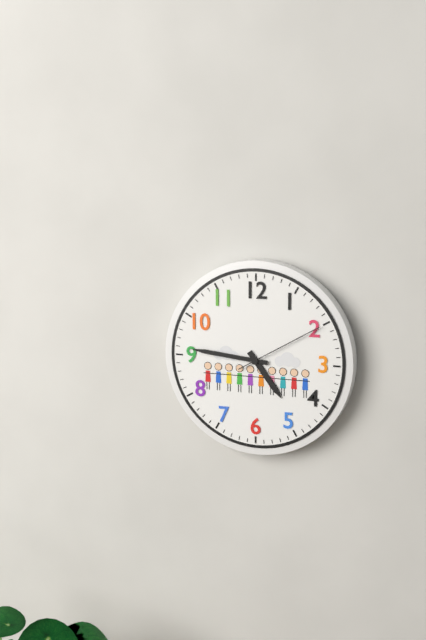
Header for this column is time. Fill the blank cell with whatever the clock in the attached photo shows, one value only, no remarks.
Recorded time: 4:46:10
